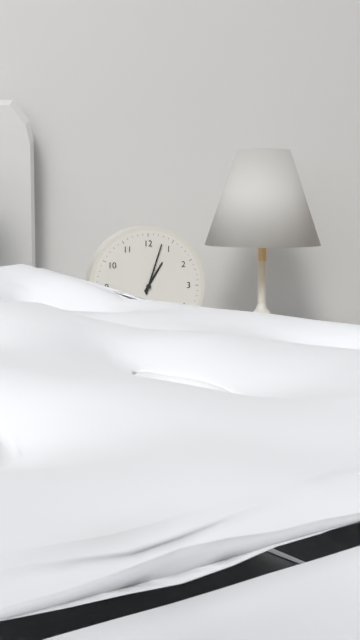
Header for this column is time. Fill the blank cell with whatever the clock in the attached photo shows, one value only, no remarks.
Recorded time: 1:03
